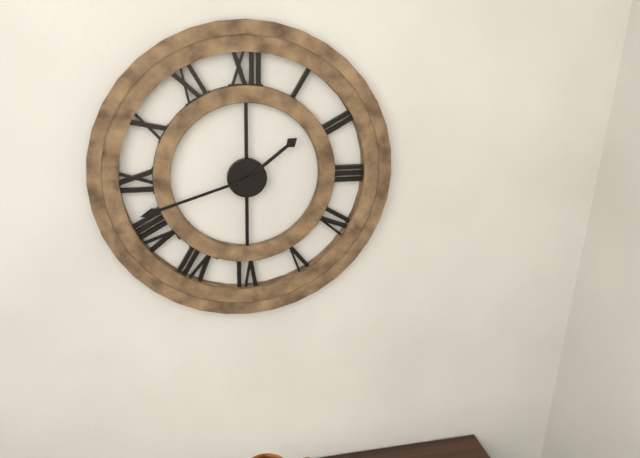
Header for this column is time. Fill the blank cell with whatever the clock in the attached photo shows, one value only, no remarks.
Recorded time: 1:42
